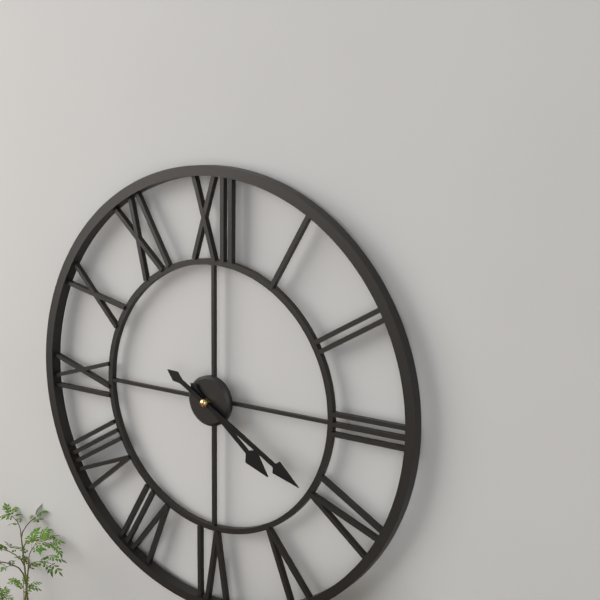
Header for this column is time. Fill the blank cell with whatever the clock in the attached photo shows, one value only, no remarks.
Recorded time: 4:20
